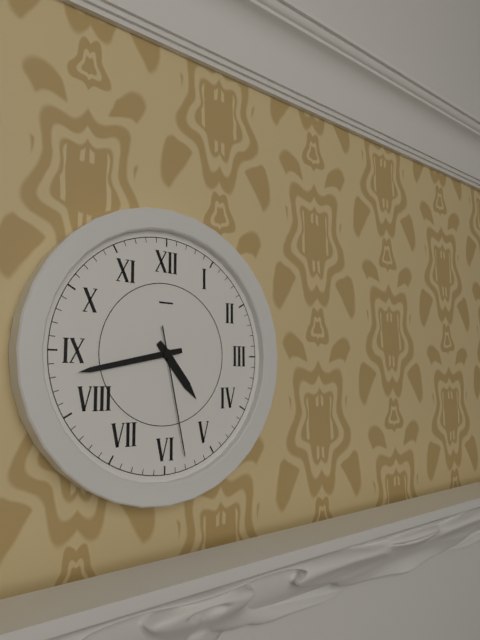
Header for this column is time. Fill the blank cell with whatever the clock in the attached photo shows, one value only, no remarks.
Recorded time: 4:43:28
